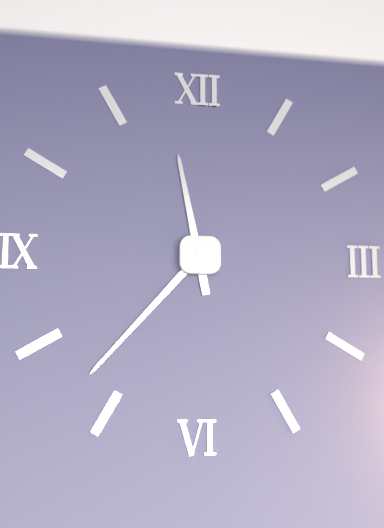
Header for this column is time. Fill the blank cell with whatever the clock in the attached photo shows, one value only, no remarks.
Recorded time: 11:37
